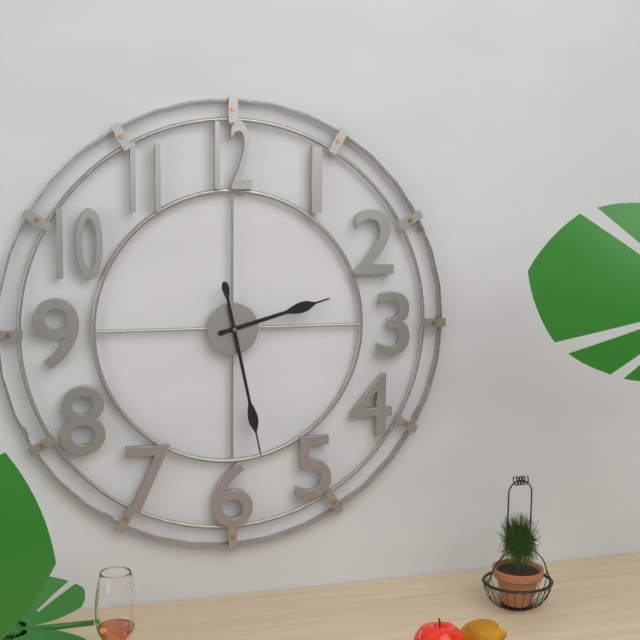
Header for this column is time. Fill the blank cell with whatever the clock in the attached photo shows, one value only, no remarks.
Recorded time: 2:28
